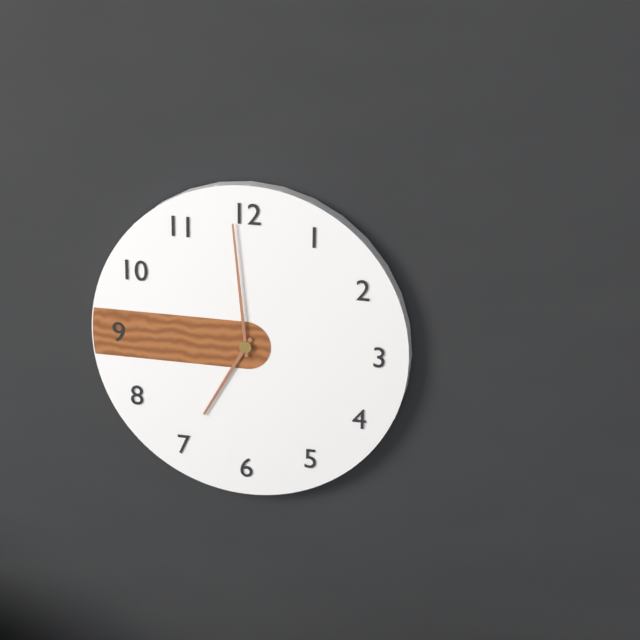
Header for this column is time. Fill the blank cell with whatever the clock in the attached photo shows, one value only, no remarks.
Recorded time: 6:59
